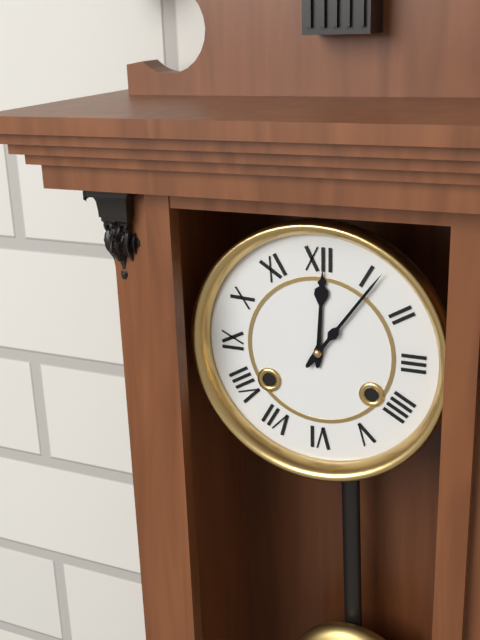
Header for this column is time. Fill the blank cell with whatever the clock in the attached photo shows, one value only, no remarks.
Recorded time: 12:06
